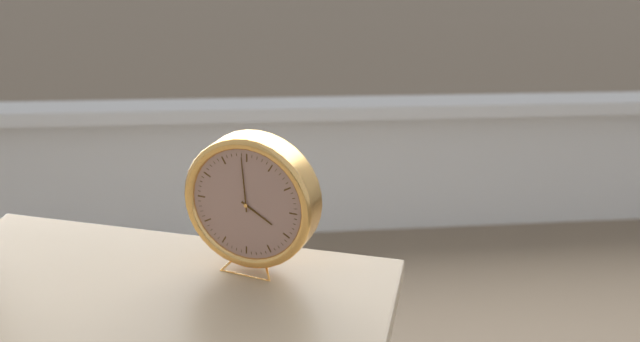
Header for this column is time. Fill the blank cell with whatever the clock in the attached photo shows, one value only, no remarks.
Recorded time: 3:59
